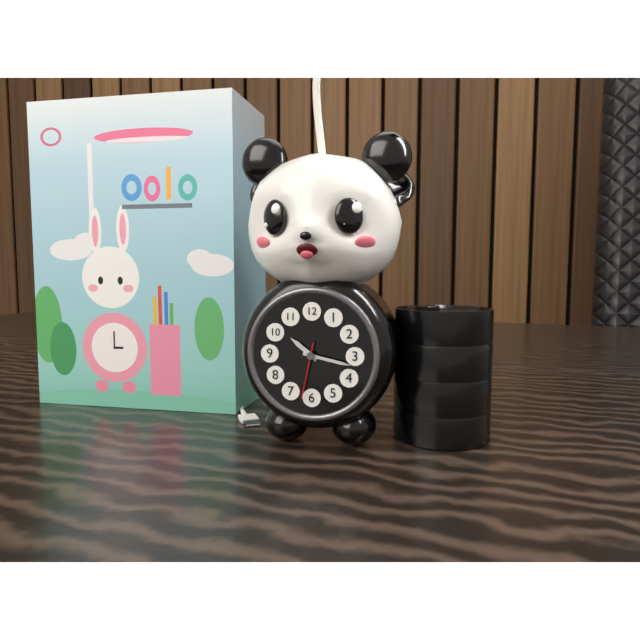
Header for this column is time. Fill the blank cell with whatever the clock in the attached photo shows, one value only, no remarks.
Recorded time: 10:17:32
